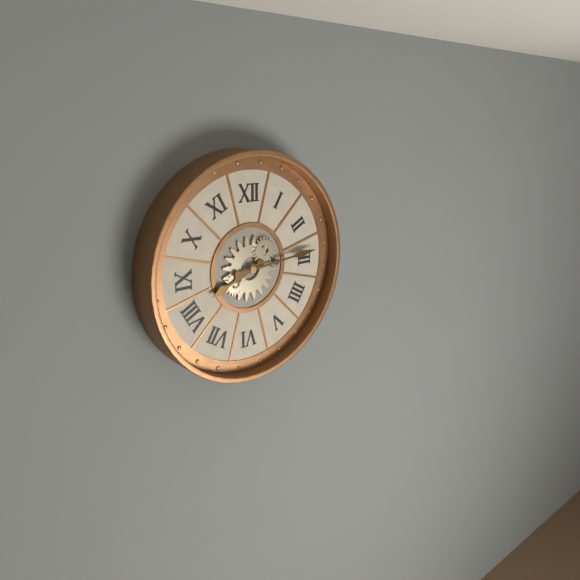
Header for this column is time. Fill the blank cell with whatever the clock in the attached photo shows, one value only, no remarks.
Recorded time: 8:14
